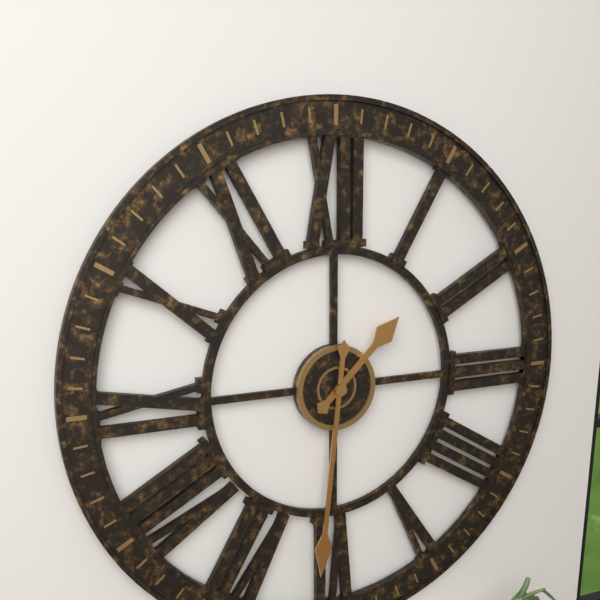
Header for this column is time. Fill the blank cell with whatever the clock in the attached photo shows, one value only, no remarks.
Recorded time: 1:31
